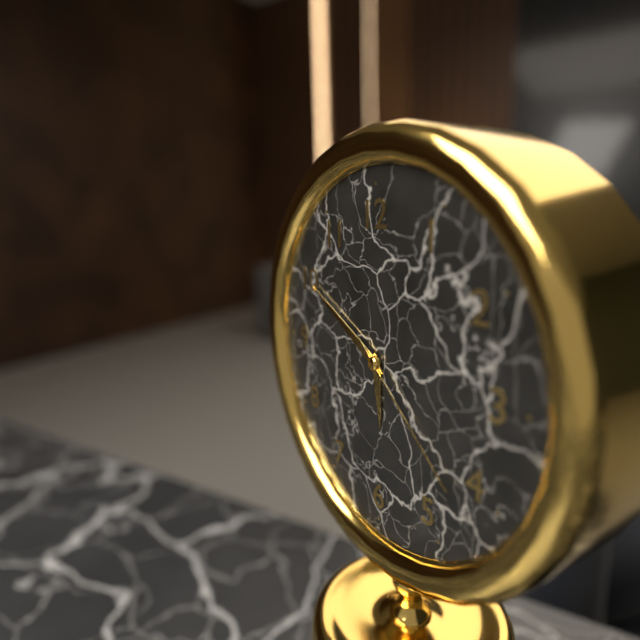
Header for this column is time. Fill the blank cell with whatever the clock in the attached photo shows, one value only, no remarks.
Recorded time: 5:50:22
